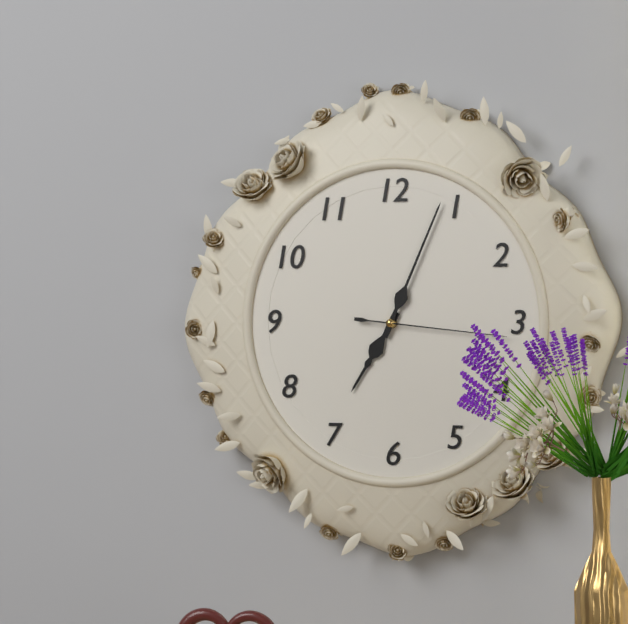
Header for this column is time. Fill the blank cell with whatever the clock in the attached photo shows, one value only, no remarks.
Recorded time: 7:04:16
